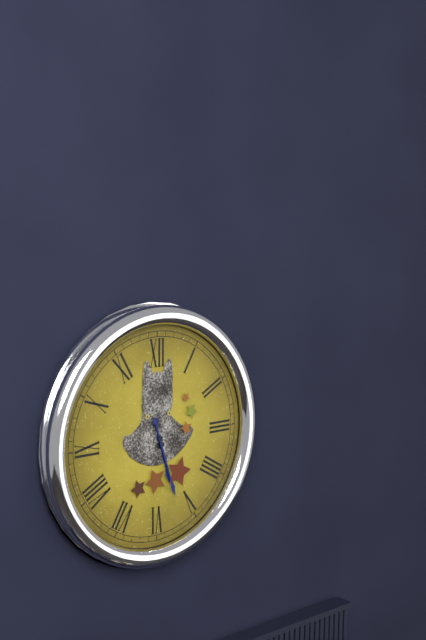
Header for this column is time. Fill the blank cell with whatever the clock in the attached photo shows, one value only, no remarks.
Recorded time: 5:27
